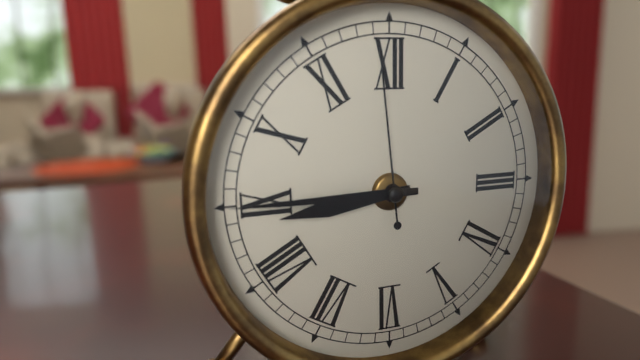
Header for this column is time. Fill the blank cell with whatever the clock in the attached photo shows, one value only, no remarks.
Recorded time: 8:45:59
